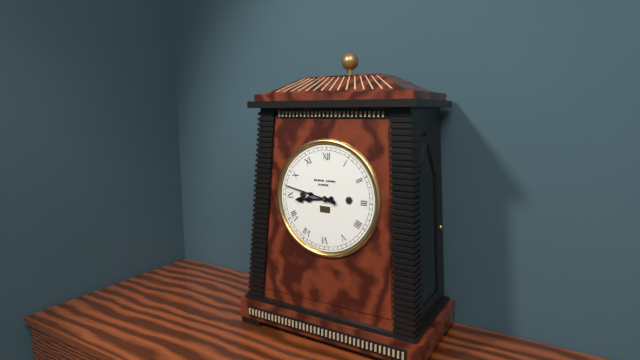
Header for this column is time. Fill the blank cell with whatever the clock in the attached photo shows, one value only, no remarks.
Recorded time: 8:47
